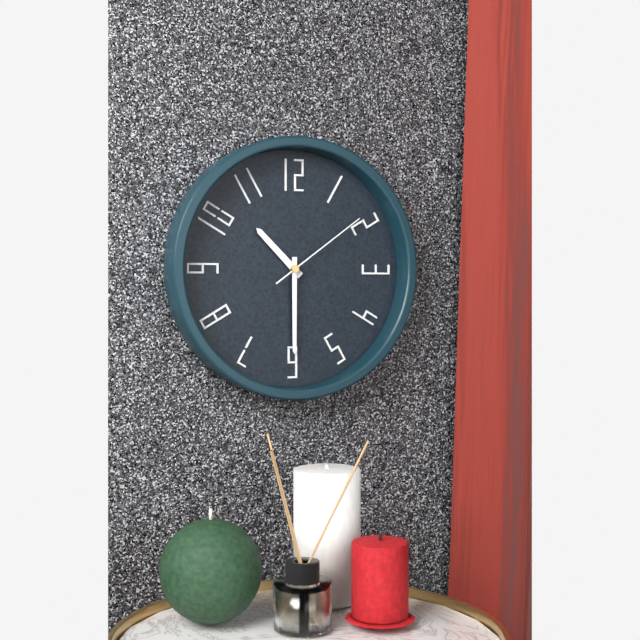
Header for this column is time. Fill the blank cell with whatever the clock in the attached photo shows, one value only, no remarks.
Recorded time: 10:30:09
